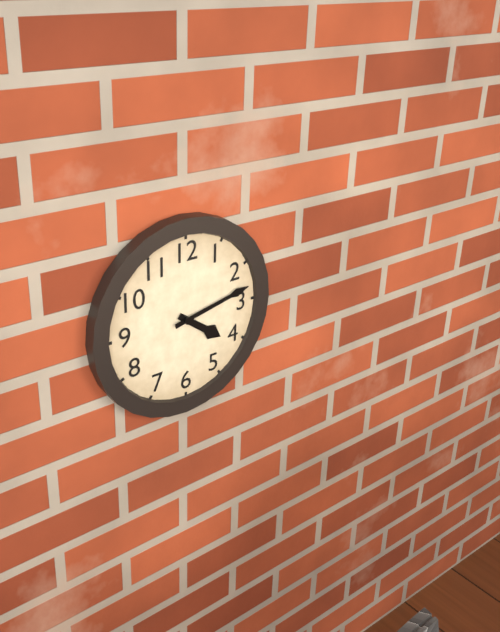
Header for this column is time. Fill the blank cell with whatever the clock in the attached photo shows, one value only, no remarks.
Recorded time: 4:13
